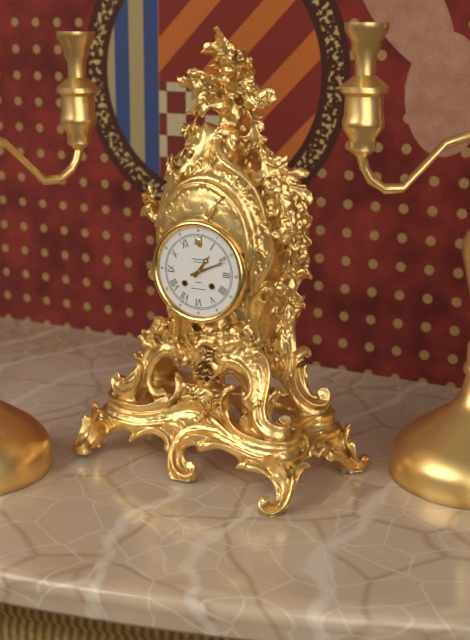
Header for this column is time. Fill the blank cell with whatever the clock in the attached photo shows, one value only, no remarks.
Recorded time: 1:11
